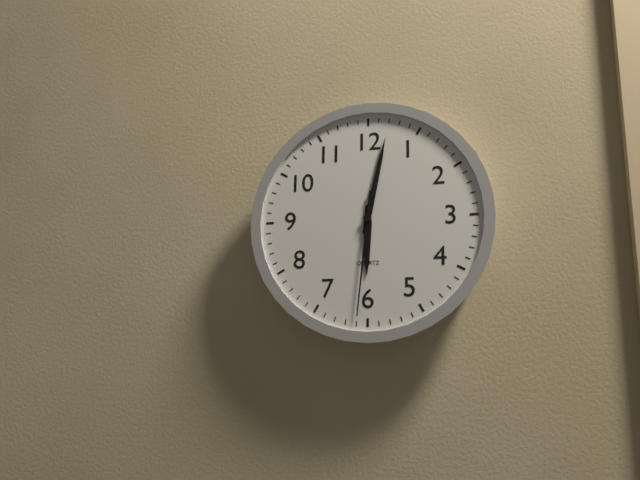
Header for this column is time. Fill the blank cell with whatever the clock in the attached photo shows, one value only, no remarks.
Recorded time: 6:02:31
